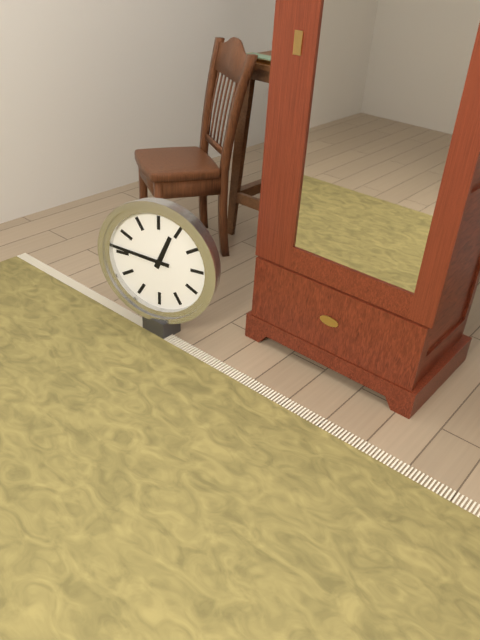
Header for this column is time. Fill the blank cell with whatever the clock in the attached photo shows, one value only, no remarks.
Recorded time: 12:46
